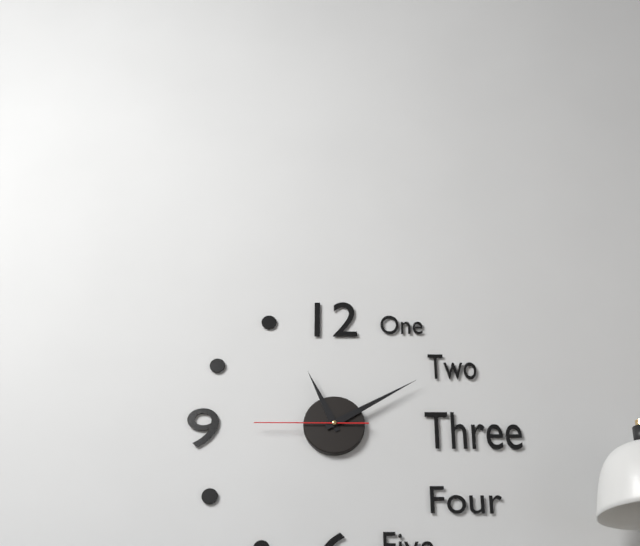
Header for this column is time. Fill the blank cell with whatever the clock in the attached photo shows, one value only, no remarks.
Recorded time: 11:10:45
